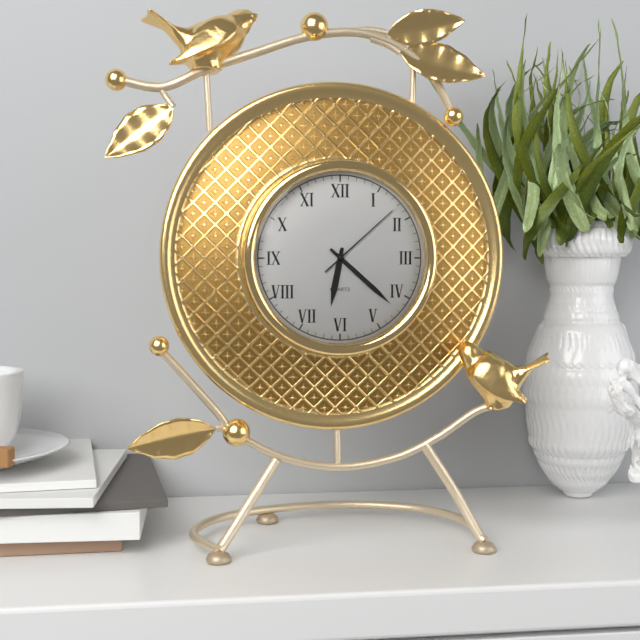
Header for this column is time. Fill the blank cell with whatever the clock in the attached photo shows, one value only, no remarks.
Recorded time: 6:22:08
